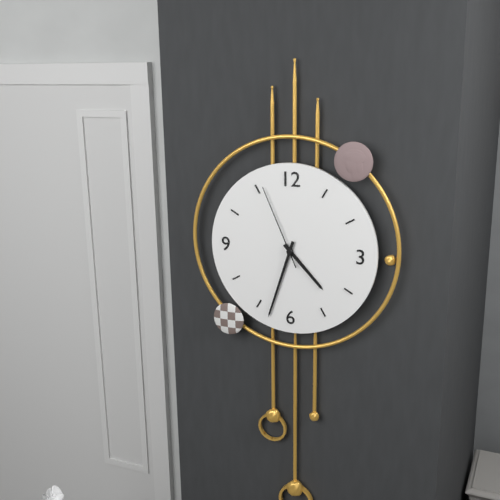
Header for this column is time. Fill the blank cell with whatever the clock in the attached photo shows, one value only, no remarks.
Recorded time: 4:33:56
